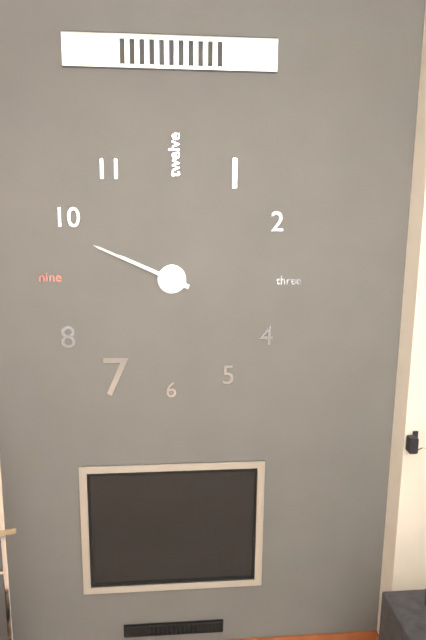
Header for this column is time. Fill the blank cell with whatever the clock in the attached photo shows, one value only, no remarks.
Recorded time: 9:49
